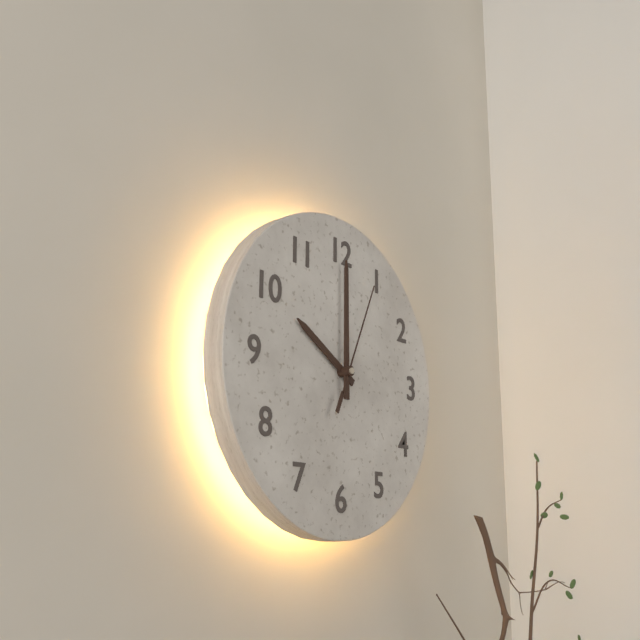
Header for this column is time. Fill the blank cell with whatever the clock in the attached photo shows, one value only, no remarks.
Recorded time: 10:00:04
